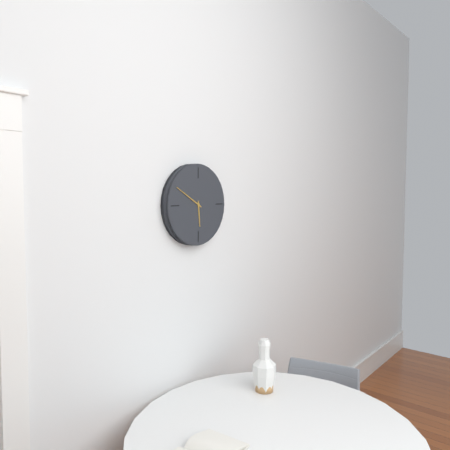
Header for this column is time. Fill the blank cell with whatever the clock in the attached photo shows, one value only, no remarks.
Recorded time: 5:50
